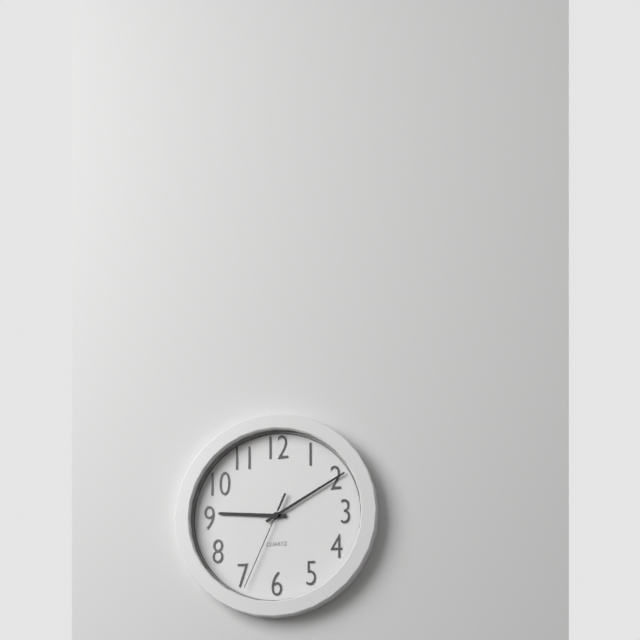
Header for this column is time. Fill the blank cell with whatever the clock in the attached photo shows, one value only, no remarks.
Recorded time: 9:10:34
